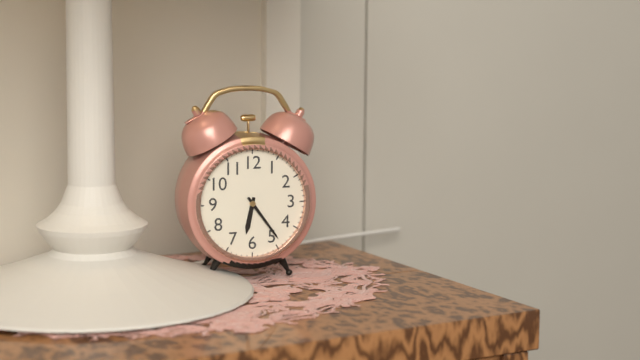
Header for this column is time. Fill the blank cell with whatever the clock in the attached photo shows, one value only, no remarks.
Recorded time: 6:24
